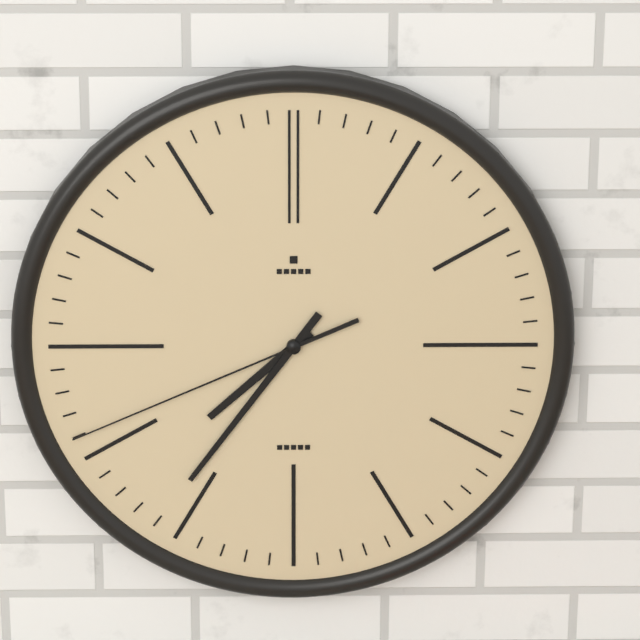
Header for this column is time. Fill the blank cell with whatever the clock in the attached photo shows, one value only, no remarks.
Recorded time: 7:36:41
